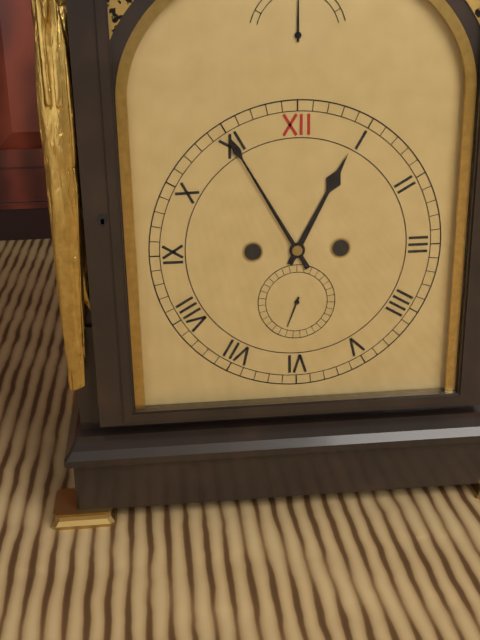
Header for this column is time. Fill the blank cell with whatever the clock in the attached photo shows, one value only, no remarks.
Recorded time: 12:55
